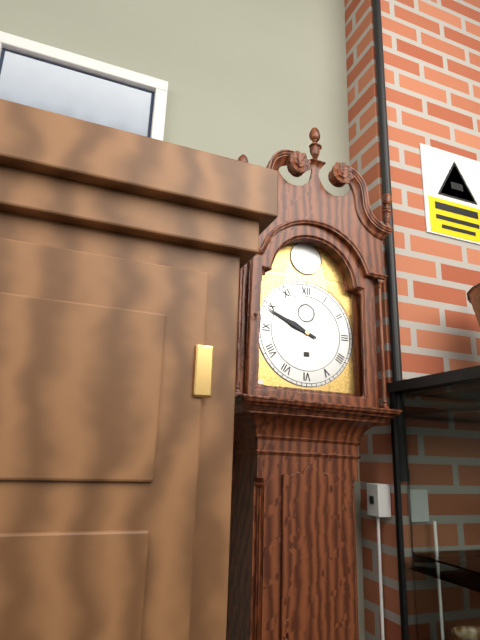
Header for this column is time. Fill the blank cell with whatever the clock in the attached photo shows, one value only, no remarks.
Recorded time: 9:49
